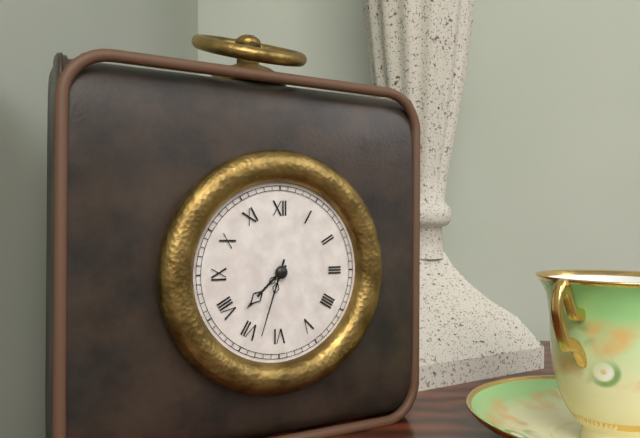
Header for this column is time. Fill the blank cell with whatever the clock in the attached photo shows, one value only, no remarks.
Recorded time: 7:33
